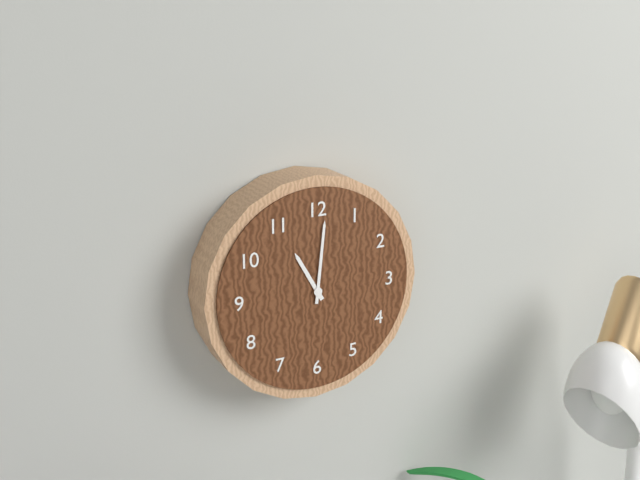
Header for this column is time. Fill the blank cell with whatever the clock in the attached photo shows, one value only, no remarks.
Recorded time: 11:01
